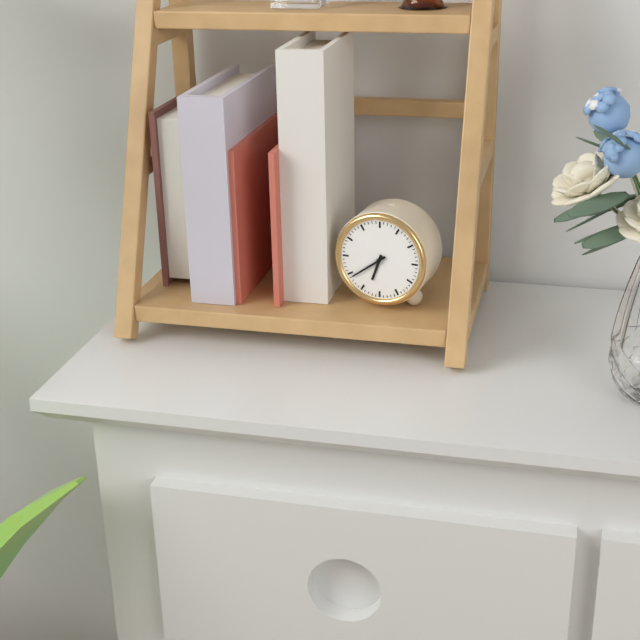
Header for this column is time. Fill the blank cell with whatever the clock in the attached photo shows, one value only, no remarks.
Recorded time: 6:39
